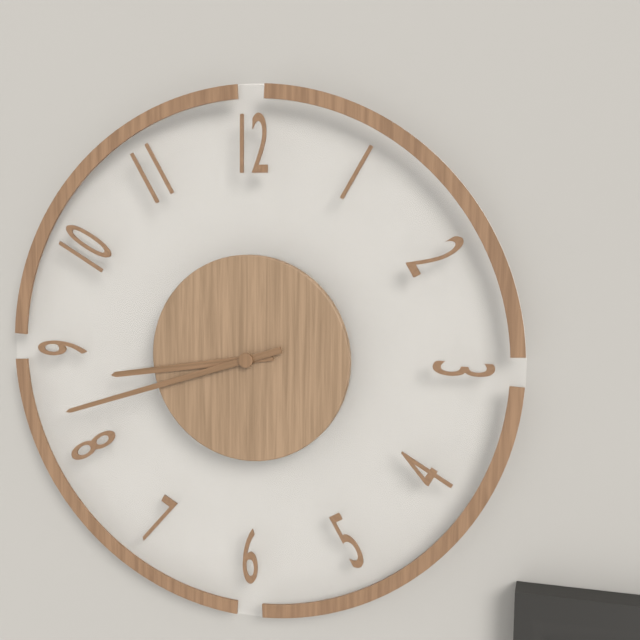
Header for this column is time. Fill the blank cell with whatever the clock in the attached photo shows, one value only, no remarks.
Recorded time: 8:42
